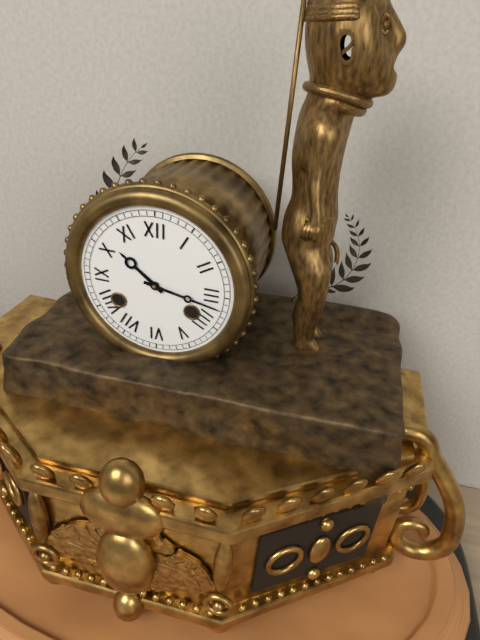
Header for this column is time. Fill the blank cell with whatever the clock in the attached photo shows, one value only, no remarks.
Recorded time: 10:17
